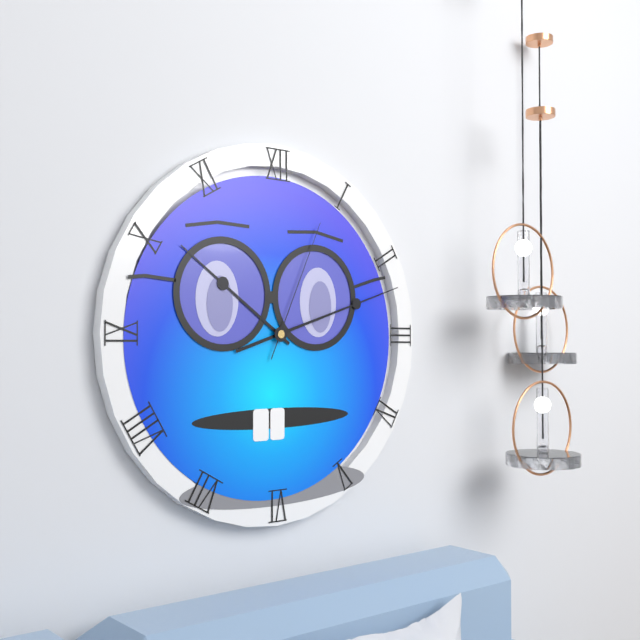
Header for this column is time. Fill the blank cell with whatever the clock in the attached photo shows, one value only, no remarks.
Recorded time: 10:12:04
